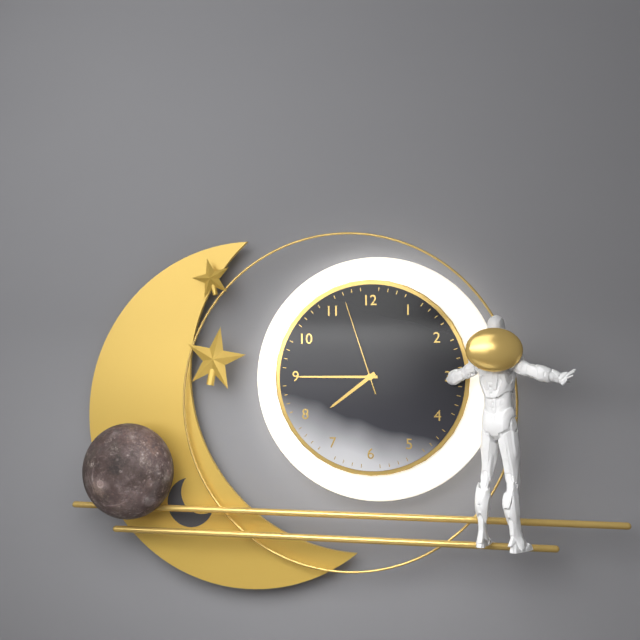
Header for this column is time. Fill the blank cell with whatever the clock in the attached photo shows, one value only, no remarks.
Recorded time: 7:45:57
